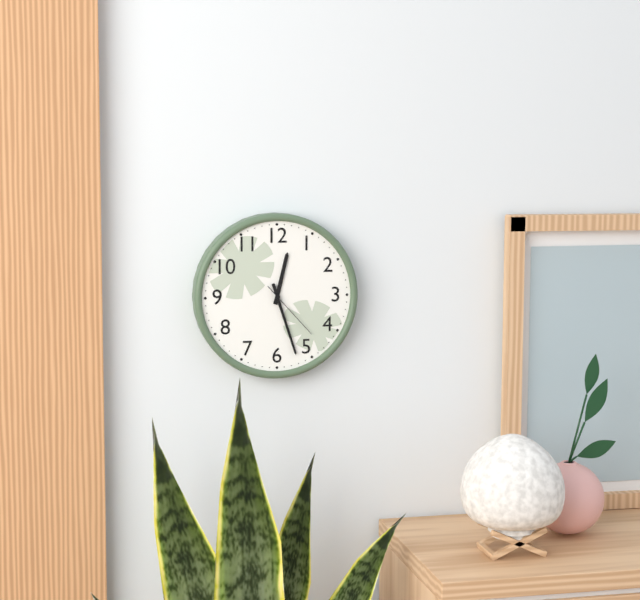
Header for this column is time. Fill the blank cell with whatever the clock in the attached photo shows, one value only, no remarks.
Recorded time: 12:27:23
